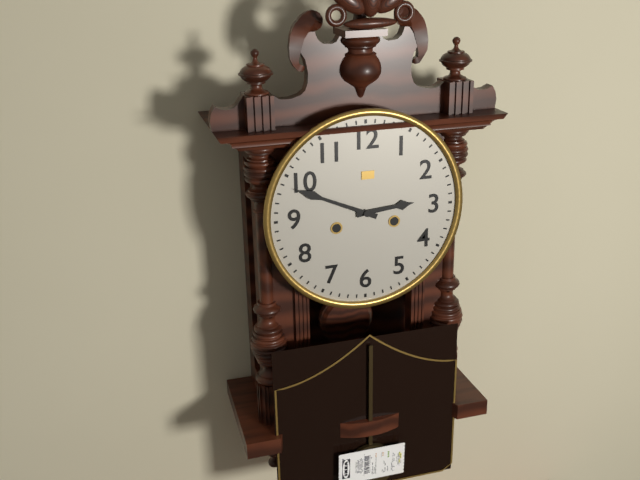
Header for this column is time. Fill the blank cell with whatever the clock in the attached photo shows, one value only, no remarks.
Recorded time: 2:49
